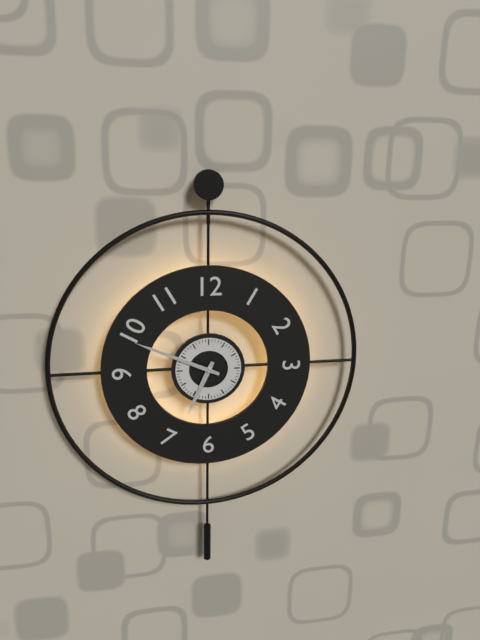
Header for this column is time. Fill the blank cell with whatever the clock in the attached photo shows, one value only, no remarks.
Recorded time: 6:49
